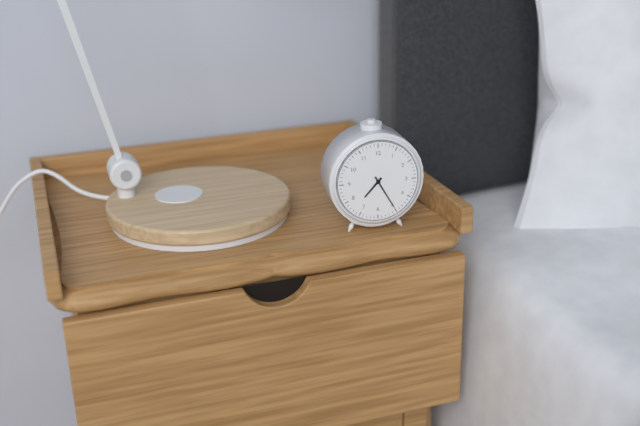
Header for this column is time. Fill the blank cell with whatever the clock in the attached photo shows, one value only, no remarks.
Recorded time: 7:25
